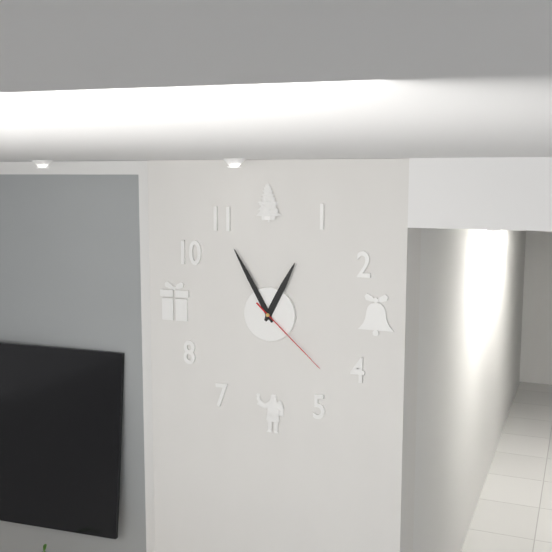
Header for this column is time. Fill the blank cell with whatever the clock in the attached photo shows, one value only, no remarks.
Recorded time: 12:55:22
